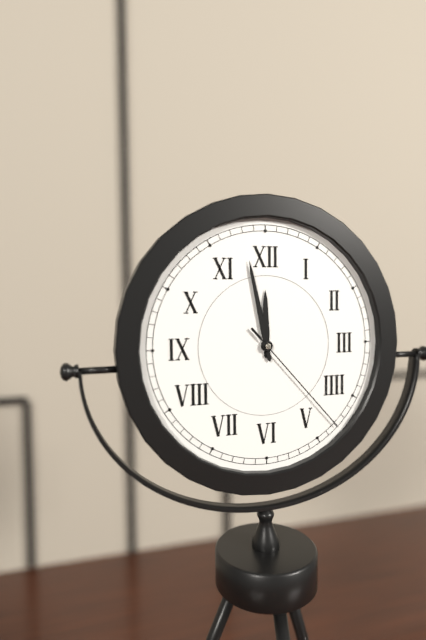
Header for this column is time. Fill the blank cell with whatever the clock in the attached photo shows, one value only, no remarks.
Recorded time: 11:58:23
